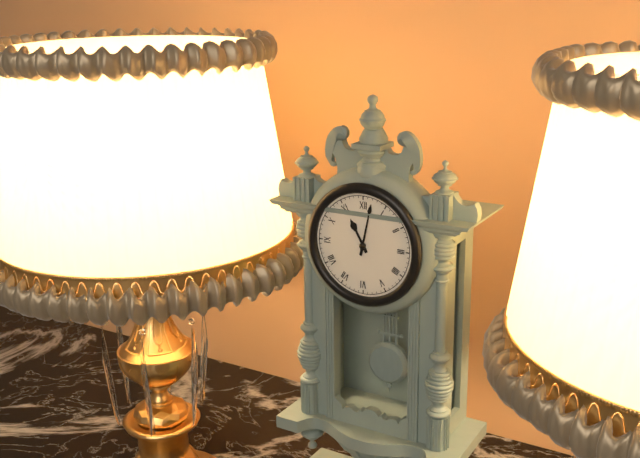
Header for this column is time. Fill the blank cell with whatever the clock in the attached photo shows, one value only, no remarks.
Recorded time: 11:02
